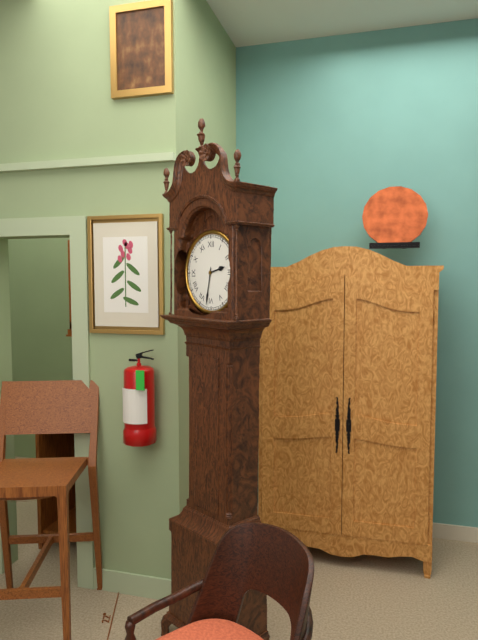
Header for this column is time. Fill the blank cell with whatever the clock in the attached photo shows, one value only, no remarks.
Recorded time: 2:32
